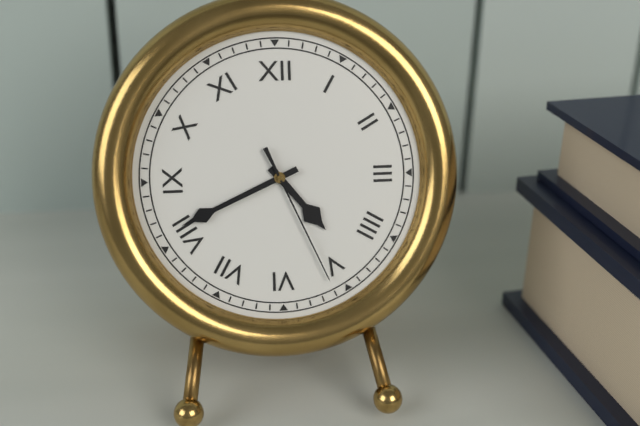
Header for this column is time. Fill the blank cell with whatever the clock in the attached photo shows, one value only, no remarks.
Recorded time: 4:41:26
